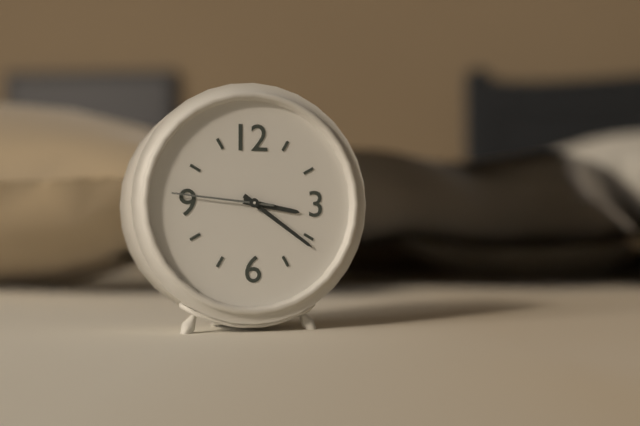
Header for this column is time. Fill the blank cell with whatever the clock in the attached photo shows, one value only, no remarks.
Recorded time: 3:21:46
